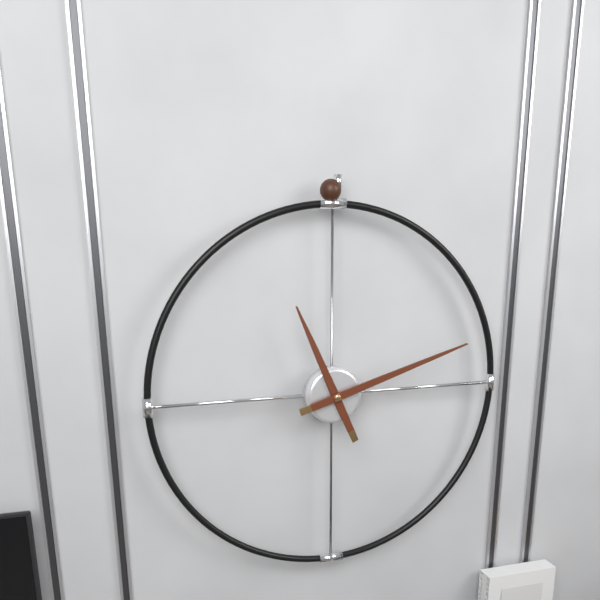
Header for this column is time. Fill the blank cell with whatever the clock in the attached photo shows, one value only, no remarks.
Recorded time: 11:12
